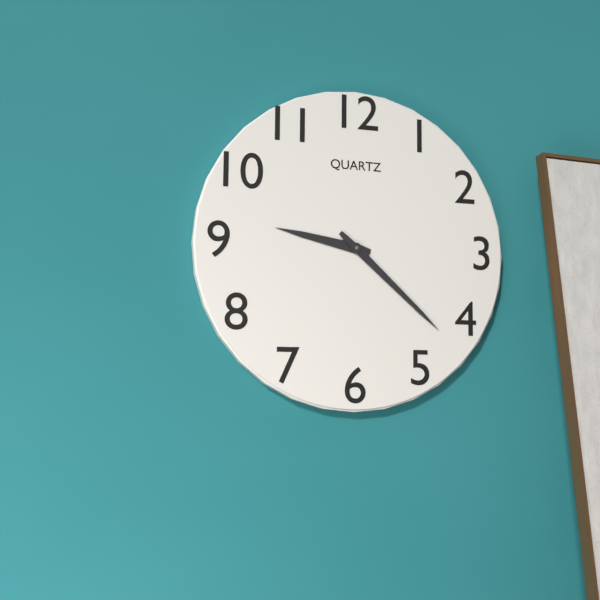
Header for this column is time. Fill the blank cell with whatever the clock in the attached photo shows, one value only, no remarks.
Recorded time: 9:22
